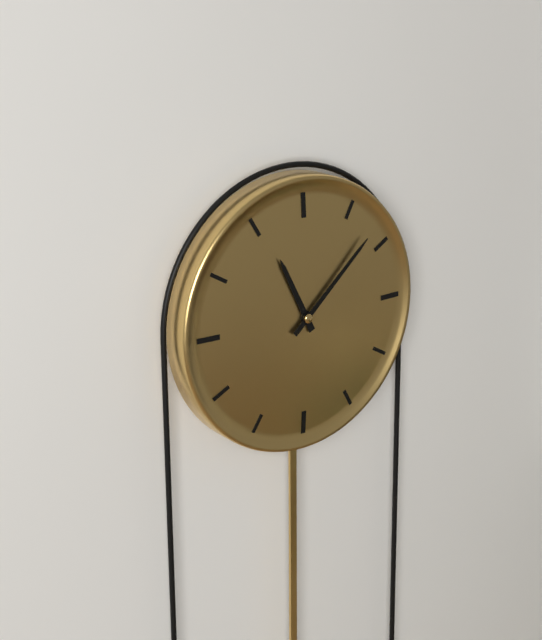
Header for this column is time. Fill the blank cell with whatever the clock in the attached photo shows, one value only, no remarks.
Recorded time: 11:08
